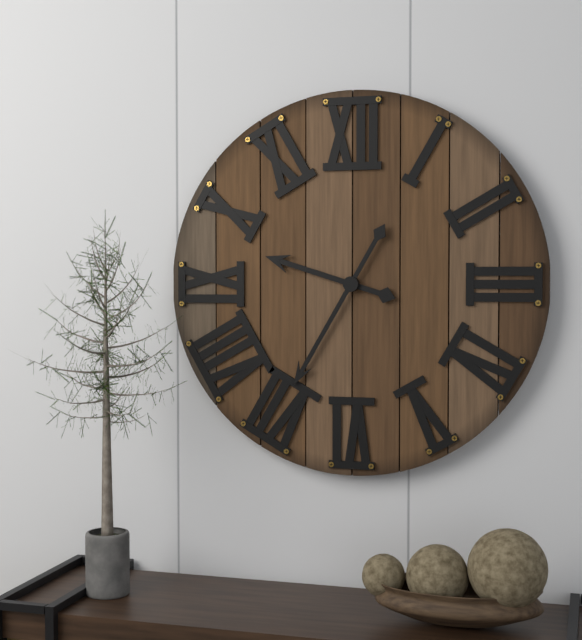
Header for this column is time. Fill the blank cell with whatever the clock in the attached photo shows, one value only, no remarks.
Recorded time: 9:35
